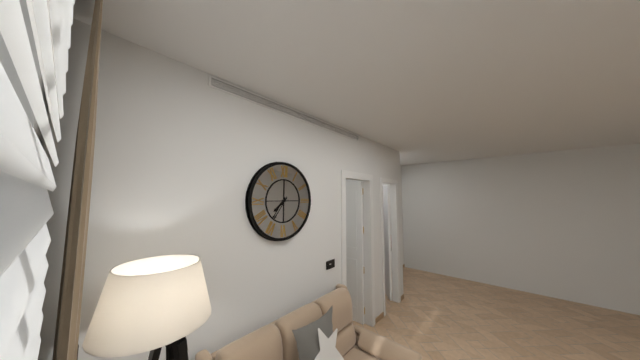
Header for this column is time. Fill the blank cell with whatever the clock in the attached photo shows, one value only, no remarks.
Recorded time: 7:36
